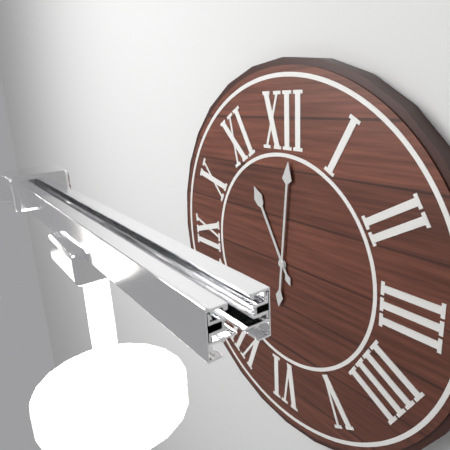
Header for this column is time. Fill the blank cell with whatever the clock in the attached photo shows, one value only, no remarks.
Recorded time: 11:01
